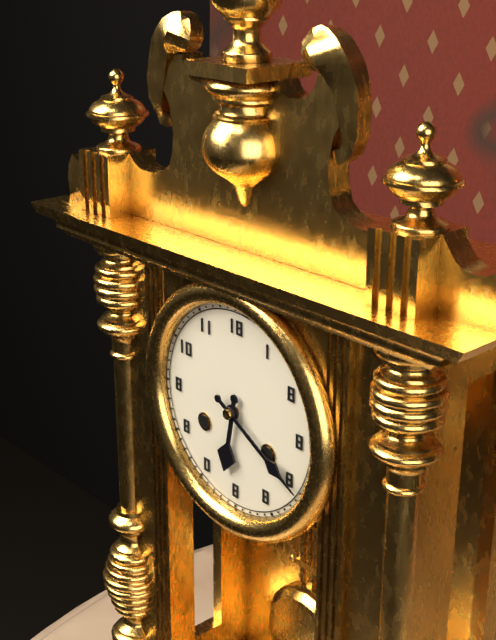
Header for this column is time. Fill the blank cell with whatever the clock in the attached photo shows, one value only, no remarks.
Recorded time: 6:20
